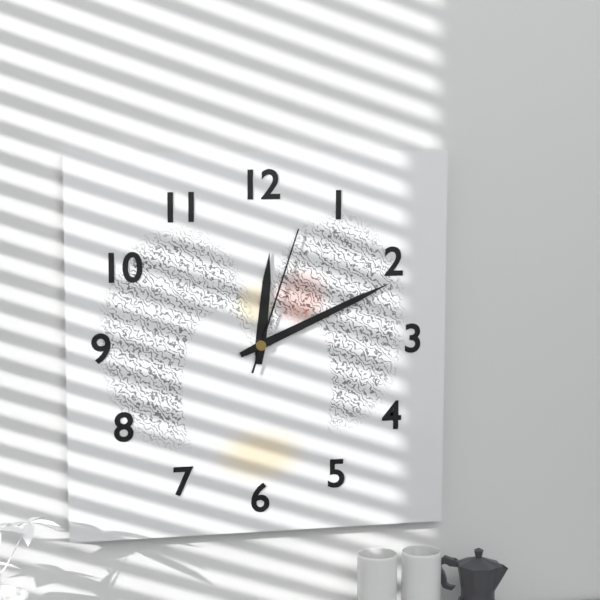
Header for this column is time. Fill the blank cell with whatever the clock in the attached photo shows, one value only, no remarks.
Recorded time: 12:11:03
